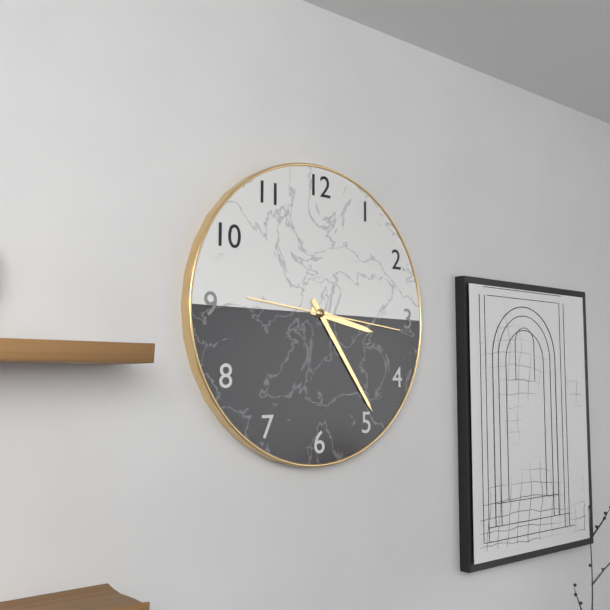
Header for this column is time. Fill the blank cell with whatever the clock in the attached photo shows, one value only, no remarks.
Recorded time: 3:24:16
